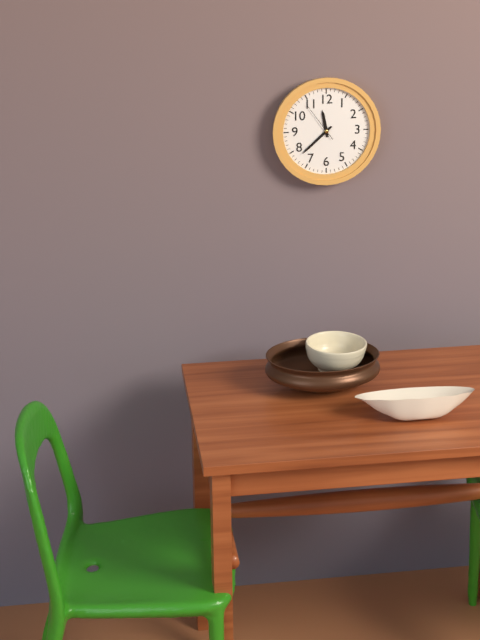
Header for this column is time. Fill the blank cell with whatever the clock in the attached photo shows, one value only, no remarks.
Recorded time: 11:38
